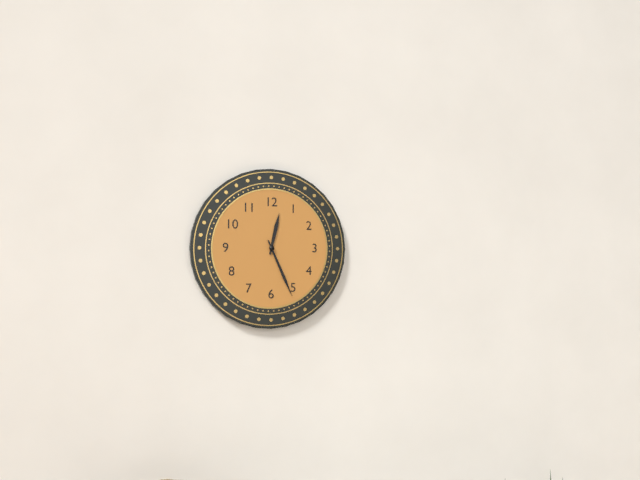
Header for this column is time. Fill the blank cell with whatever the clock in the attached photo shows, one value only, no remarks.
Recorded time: 12:26
